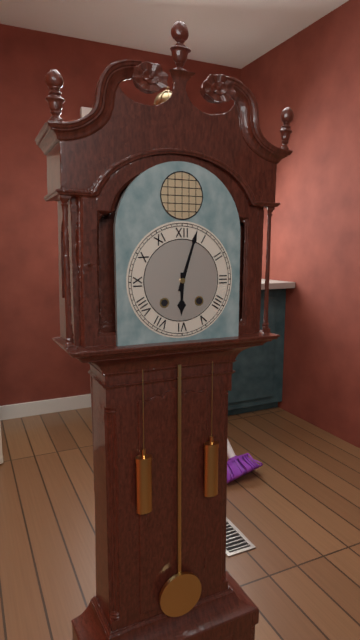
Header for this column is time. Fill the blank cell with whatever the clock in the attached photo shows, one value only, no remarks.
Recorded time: 6:03
